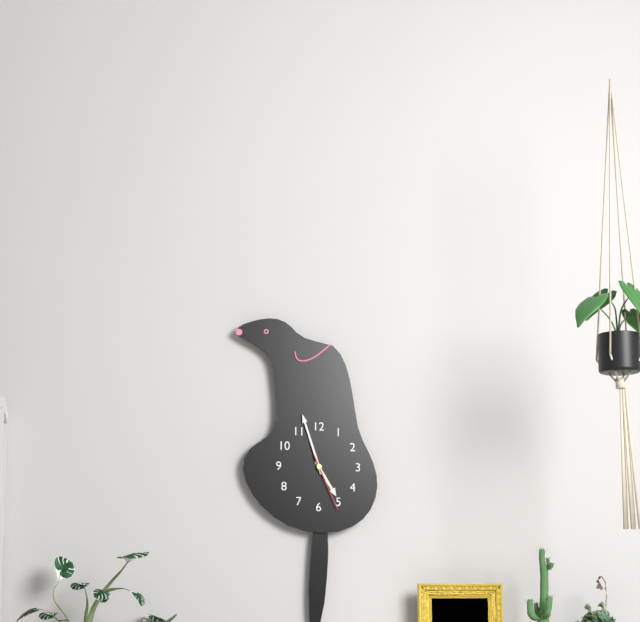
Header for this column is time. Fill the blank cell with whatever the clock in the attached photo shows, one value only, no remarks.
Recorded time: 4:57:26
